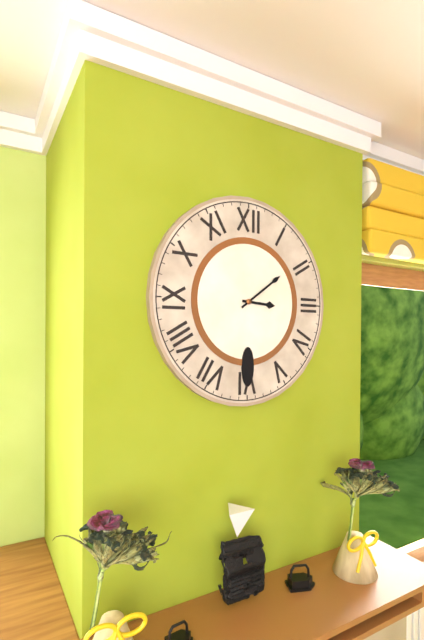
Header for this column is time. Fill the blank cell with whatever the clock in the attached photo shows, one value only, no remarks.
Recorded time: 3:09
